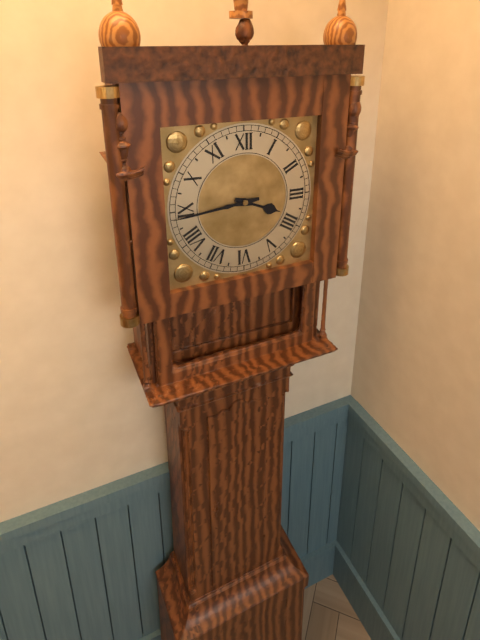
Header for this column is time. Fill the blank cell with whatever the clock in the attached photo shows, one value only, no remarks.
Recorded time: 3:44
